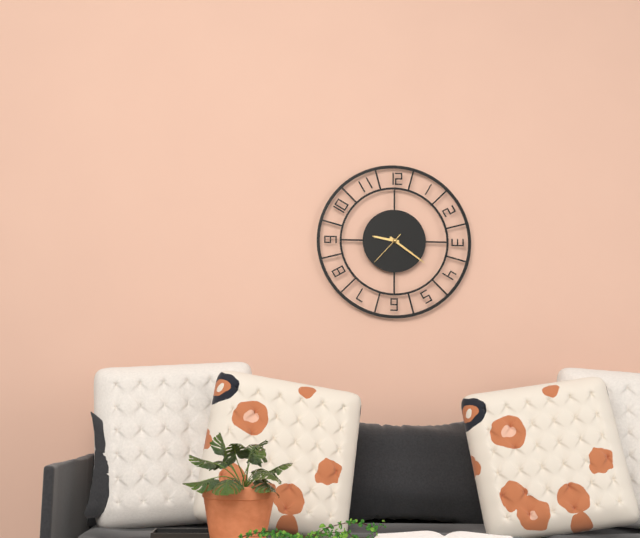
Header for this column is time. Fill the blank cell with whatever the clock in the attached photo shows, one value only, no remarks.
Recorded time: 9:21
